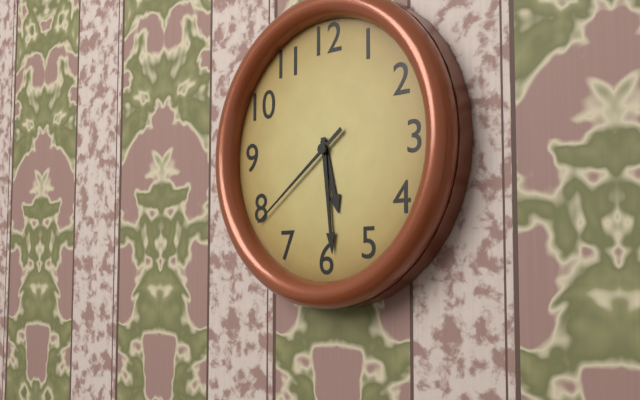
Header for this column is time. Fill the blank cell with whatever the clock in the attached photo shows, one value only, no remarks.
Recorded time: 5:29:39
